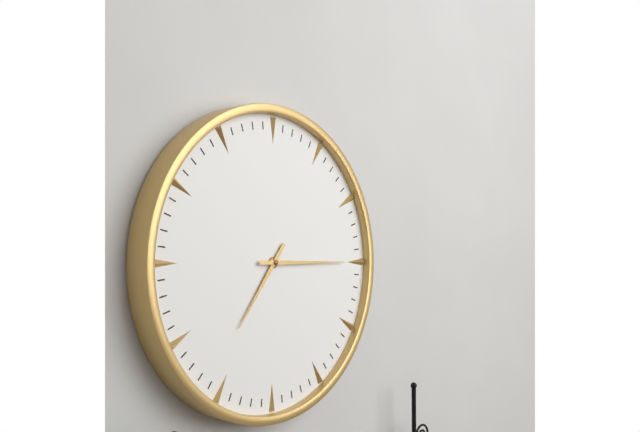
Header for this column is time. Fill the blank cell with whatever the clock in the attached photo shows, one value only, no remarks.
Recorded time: 7:15
